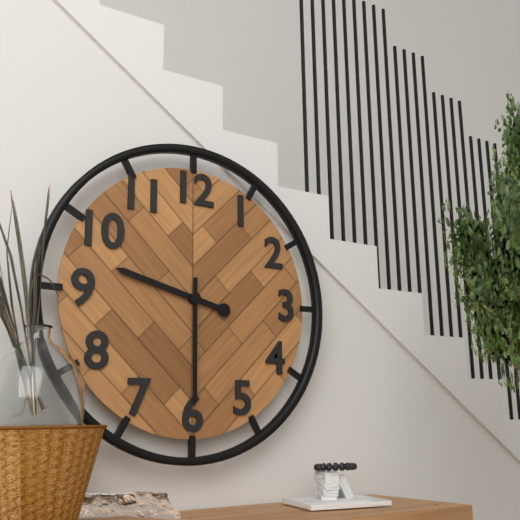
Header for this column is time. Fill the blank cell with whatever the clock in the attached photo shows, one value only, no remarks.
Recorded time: 9:30
